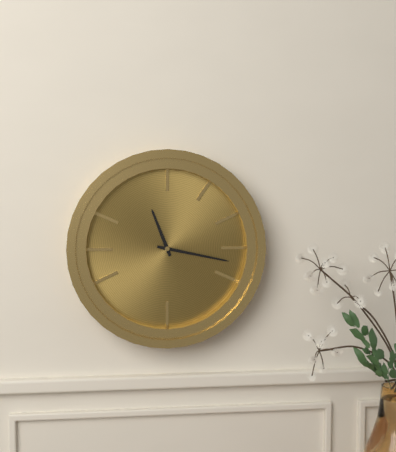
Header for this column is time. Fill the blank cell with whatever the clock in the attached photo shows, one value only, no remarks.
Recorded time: 11:17
